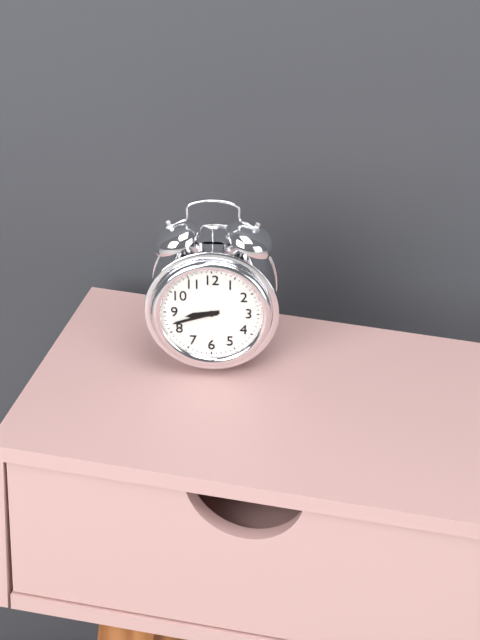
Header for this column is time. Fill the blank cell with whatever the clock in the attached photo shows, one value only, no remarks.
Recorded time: 8:42
